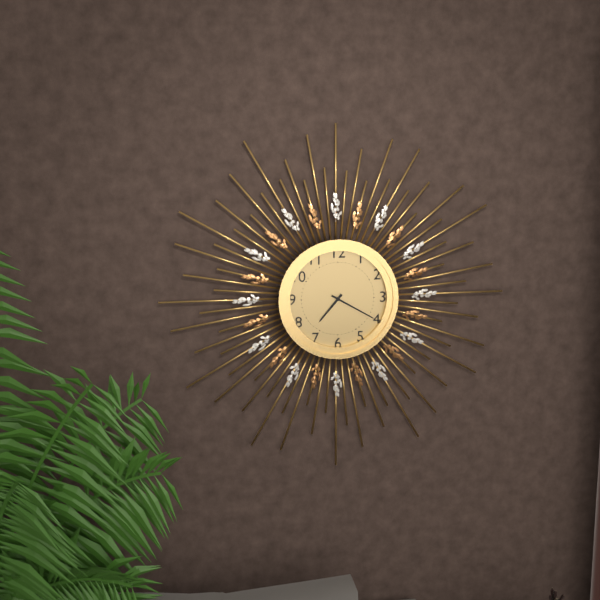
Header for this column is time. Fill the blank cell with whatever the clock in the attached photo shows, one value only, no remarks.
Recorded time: 7:20
